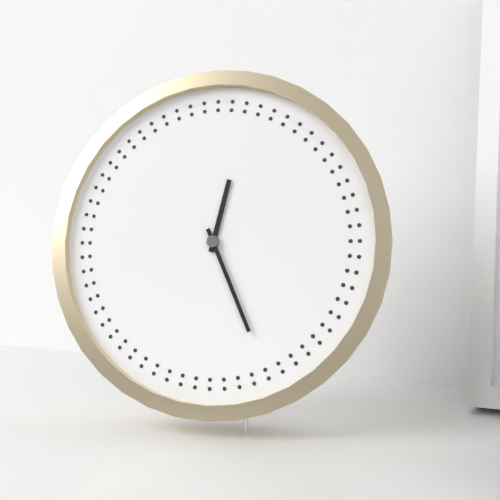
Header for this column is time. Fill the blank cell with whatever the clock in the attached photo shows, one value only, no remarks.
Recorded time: 12:26
